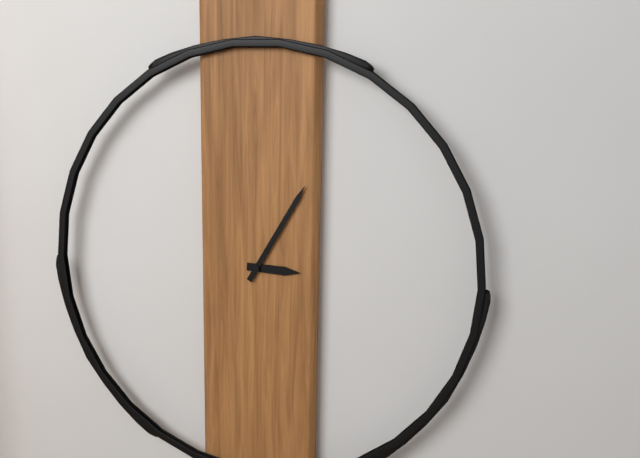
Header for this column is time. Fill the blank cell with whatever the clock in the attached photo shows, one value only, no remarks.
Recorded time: 3:05
